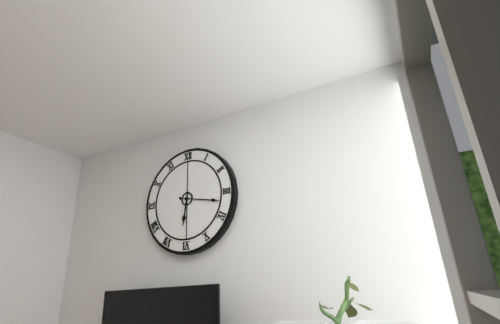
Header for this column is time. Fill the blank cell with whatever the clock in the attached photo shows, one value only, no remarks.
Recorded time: 6:17
